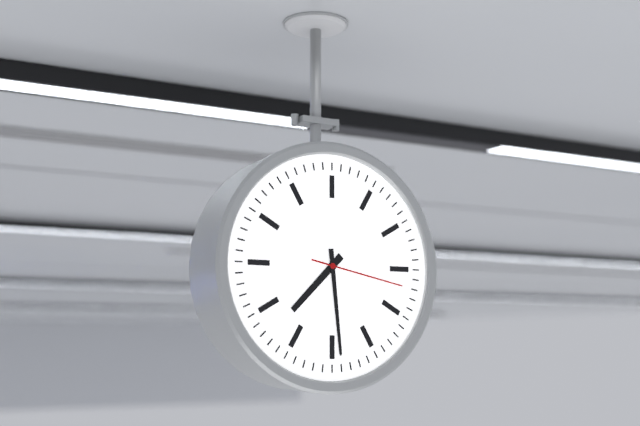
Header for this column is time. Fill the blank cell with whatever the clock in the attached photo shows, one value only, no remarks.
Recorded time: 7:29:17
